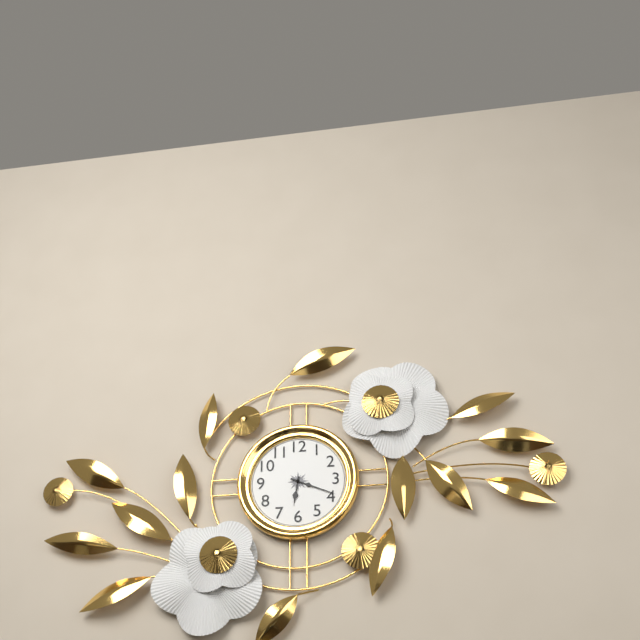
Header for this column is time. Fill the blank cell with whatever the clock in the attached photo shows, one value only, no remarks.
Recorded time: 6:19
